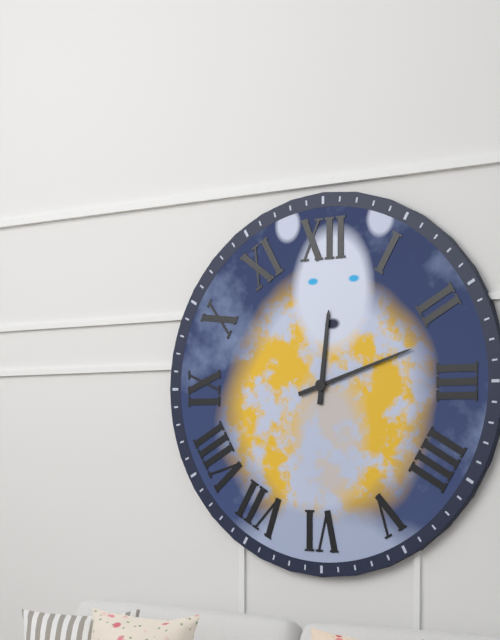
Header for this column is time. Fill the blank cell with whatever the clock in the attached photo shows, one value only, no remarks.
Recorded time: 12:12
